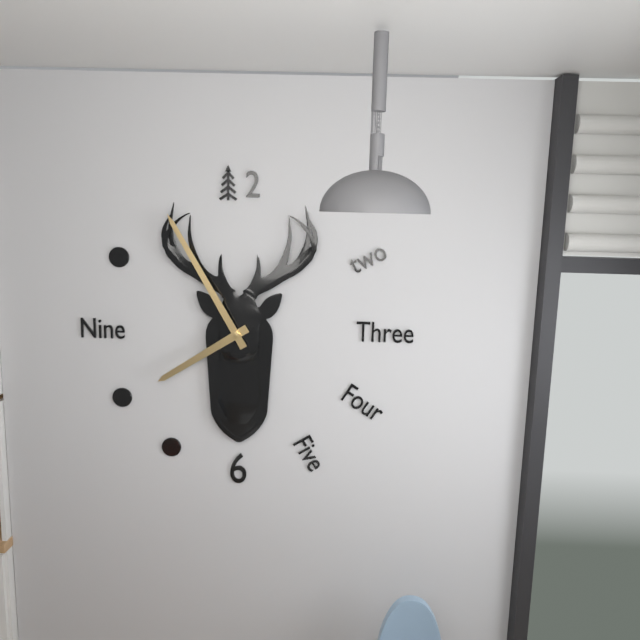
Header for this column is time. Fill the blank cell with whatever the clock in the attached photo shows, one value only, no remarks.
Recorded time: 7:55
